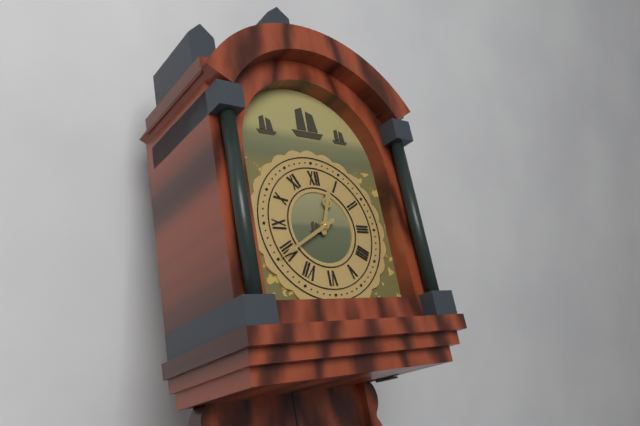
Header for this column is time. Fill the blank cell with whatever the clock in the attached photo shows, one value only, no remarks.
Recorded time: 12:40
